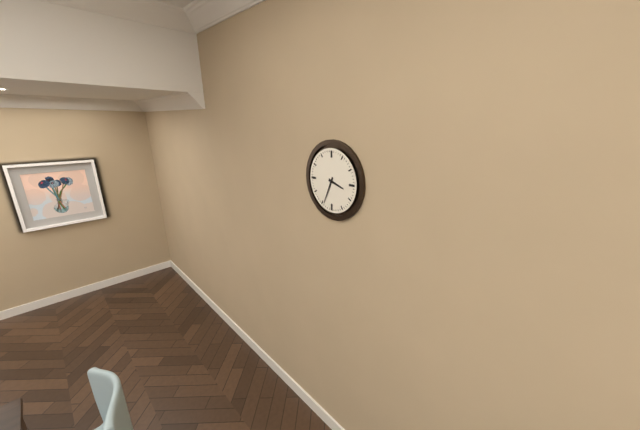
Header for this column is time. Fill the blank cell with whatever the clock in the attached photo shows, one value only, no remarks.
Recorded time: 3:34
